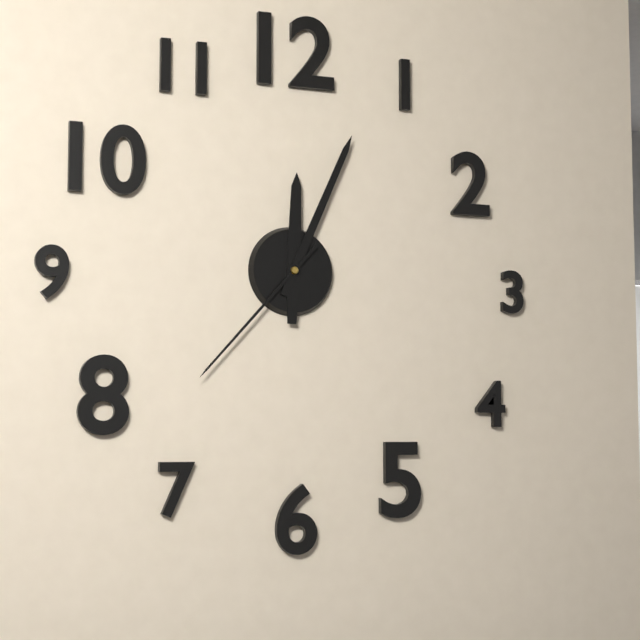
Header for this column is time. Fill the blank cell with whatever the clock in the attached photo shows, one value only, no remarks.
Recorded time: 12:04:37
